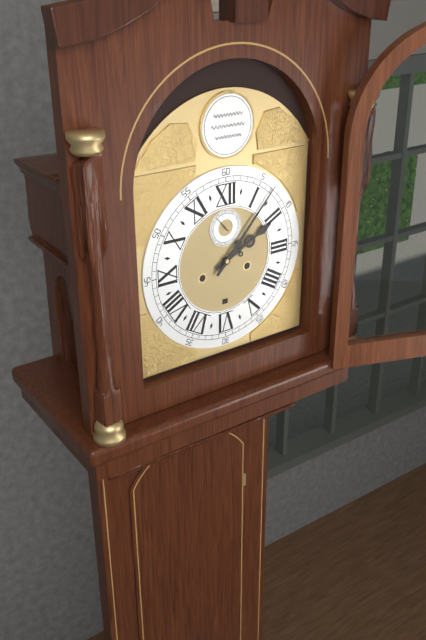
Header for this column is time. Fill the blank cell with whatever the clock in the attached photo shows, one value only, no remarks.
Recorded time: 2:07
